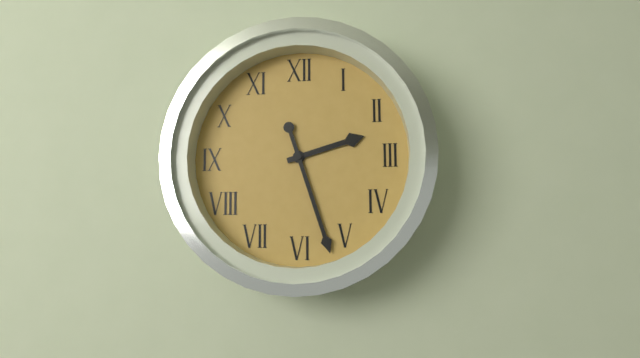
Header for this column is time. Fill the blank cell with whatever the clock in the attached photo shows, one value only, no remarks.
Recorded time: 2:27
